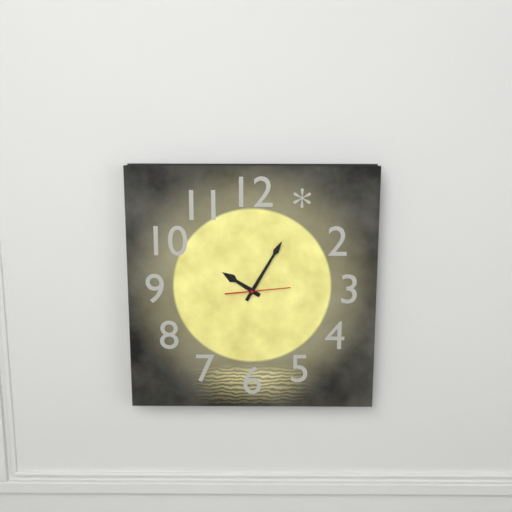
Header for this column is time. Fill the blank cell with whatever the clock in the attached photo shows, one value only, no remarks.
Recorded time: 10:05
